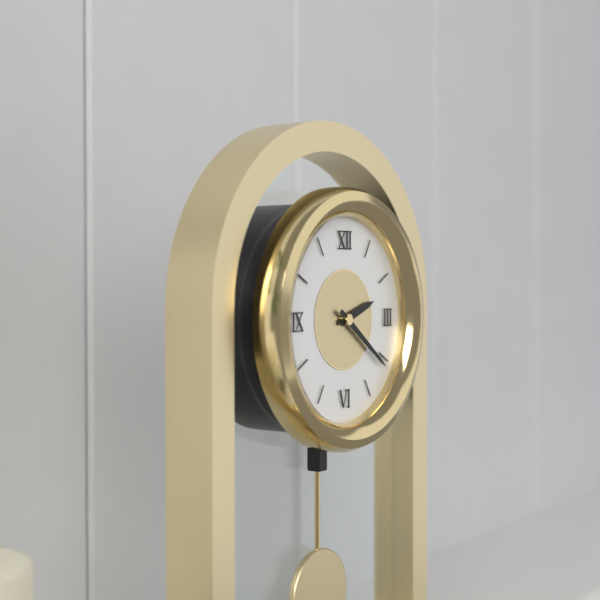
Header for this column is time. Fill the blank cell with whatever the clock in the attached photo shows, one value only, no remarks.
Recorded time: 2:21
